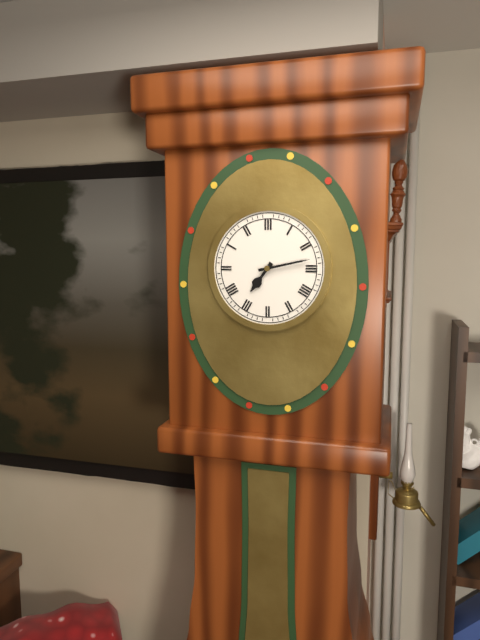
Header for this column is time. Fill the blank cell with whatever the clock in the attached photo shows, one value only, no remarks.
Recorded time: 7:13
